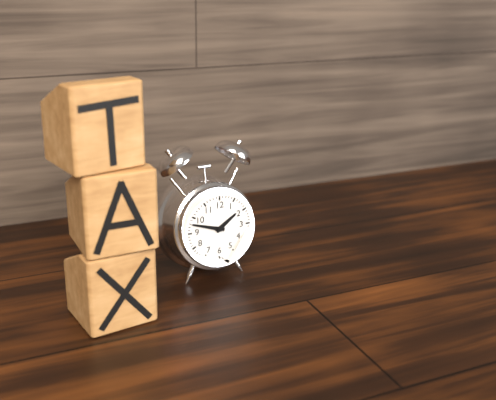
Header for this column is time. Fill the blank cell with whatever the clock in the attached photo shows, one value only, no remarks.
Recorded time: 1:48
